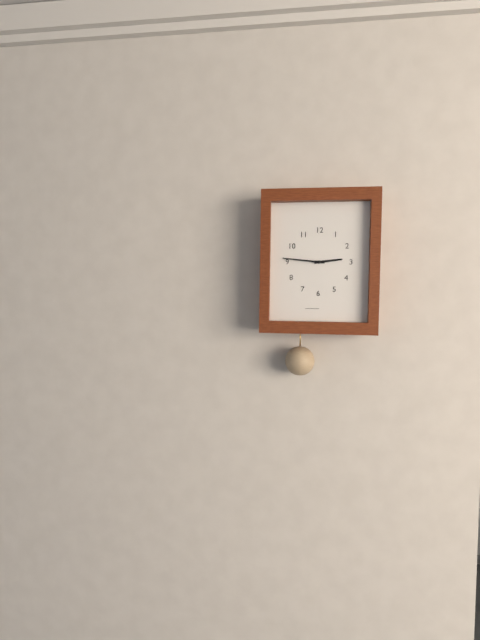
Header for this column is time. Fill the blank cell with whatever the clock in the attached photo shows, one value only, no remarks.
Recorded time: 2:46
